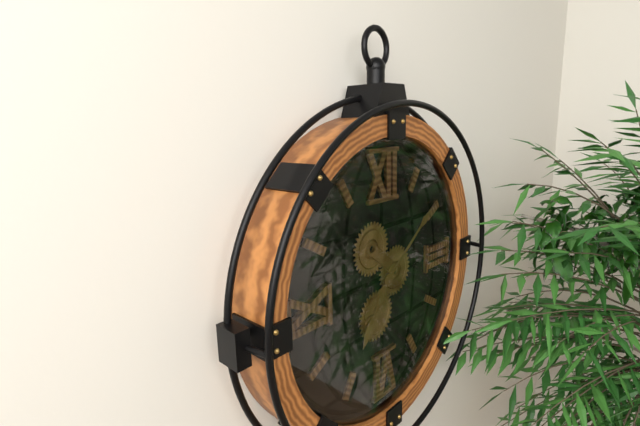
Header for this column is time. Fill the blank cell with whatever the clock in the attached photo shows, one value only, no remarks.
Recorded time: 7:09
